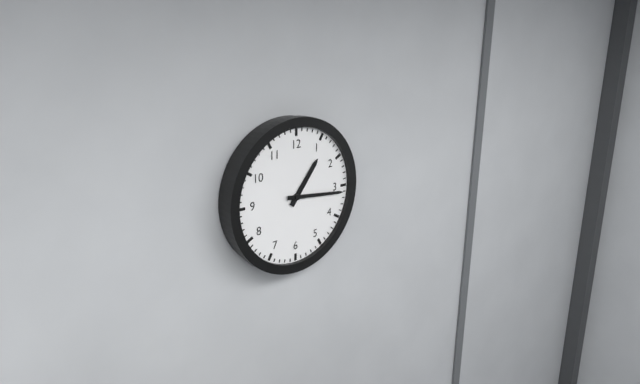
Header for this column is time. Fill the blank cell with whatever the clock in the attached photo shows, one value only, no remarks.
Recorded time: 1:16
